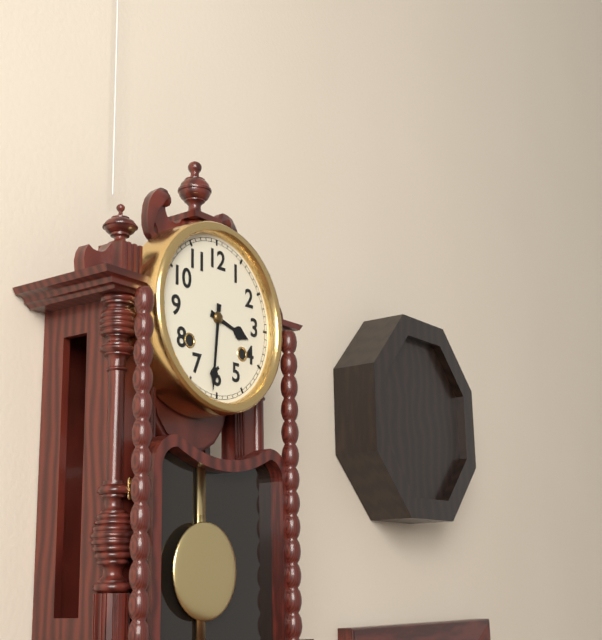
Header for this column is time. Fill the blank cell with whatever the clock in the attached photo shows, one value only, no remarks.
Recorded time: 3:31
